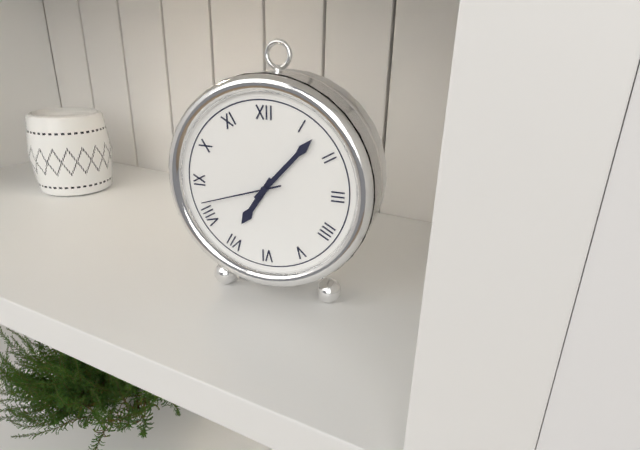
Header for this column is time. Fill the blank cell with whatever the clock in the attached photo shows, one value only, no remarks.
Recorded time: 7:07:42
